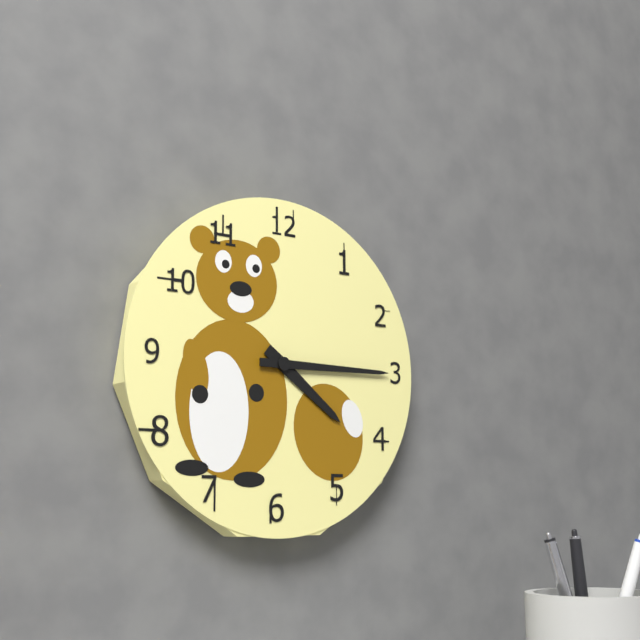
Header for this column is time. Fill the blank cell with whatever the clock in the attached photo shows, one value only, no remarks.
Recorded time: 4:15
